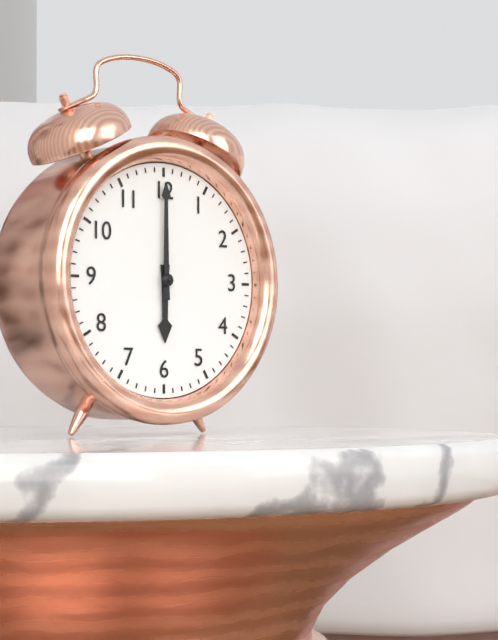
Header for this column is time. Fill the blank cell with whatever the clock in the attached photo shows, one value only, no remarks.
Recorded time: 6:00
